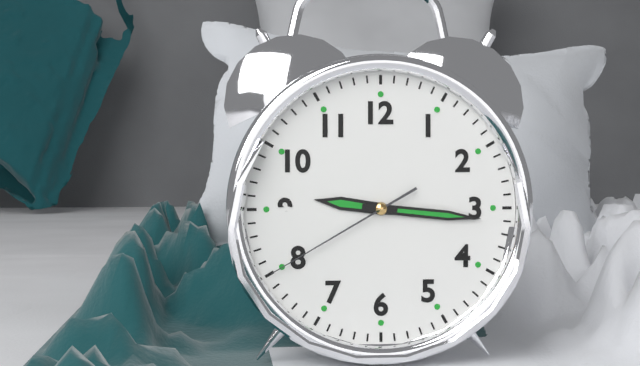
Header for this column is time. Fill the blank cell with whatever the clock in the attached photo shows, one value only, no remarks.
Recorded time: 9:16:40
